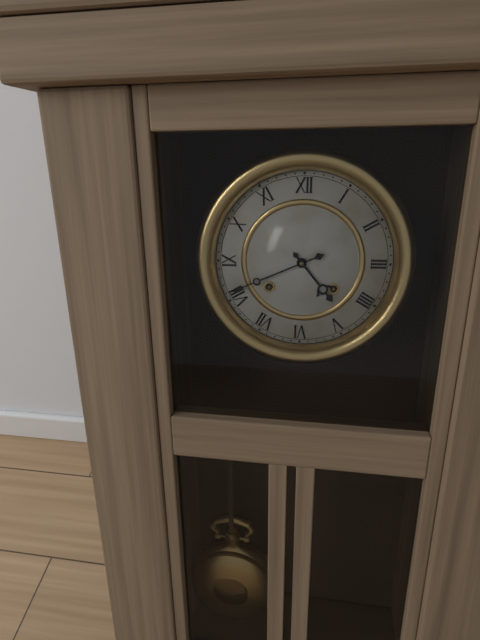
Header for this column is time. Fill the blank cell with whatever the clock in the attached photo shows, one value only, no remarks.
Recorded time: 4:41
